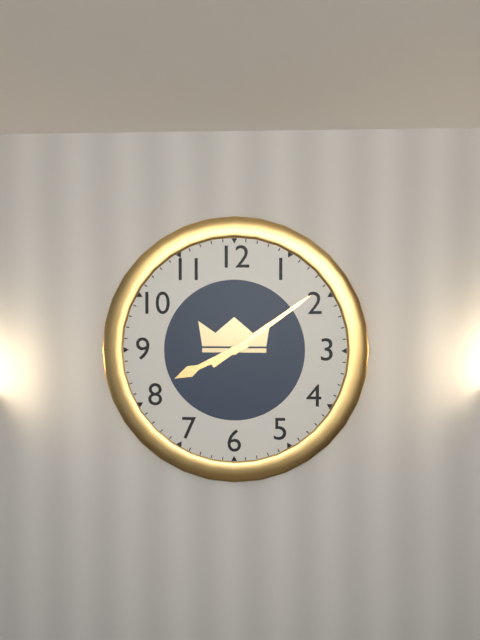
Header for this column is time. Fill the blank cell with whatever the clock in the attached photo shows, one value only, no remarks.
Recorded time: 8:09
